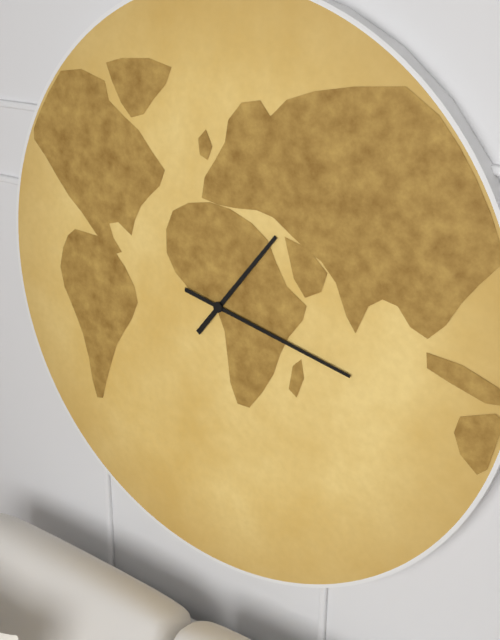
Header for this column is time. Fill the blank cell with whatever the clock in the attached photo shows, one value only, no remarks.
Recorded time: 1:17
